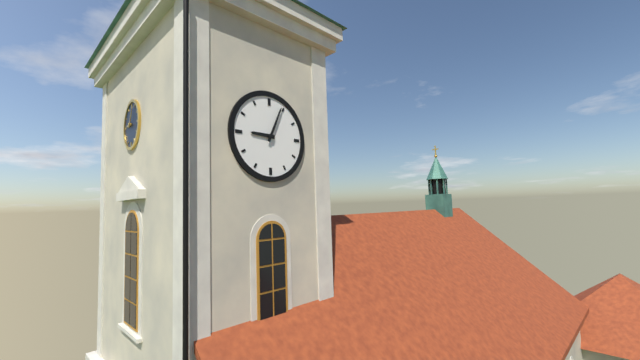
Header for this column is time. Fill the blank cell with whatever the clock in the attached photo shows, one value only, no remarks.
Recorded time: 9:04
